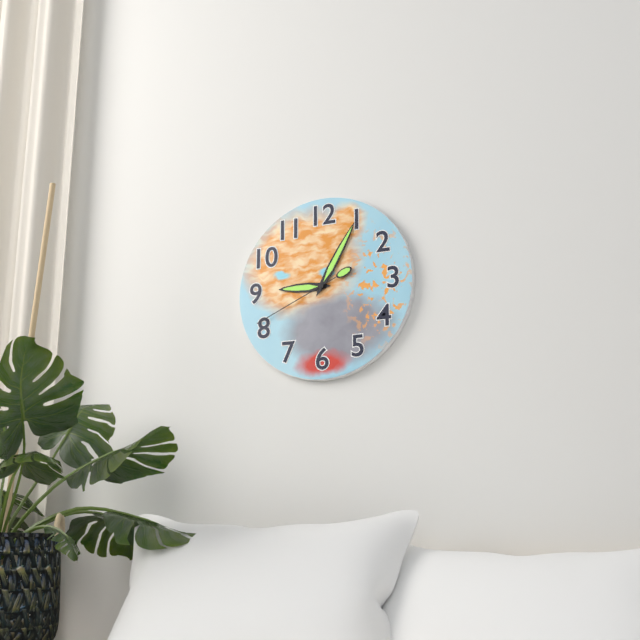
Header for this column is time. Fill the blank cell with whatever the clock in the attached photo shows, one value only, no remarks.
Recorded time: 9:05:41
